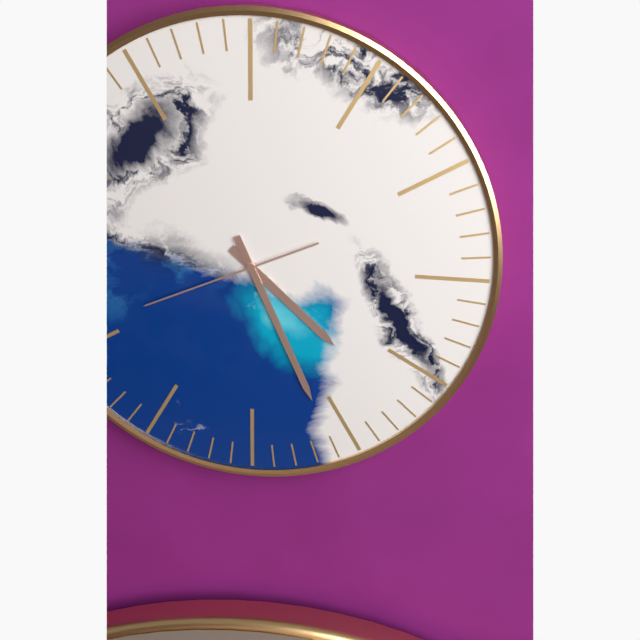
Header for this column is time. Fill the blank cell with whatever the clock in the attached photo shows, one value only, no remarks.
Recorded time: 4:26:41
